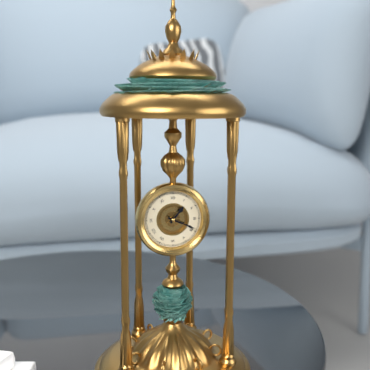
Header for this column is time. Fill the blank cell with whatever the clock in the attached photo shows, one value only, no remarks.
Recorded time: 1:19
